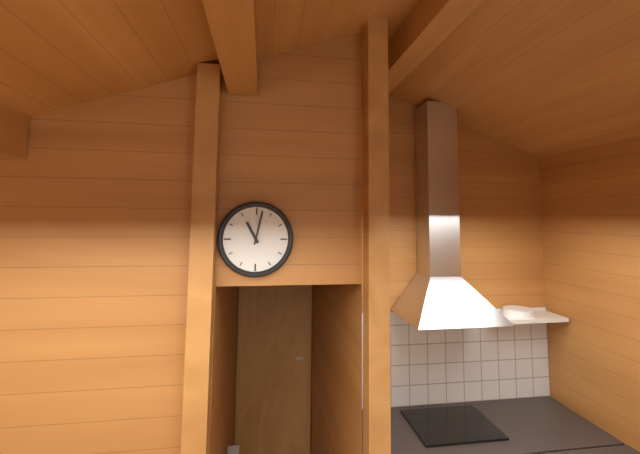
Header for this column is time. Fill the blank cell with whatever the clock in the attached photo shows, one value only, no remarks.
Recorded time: 11:02
